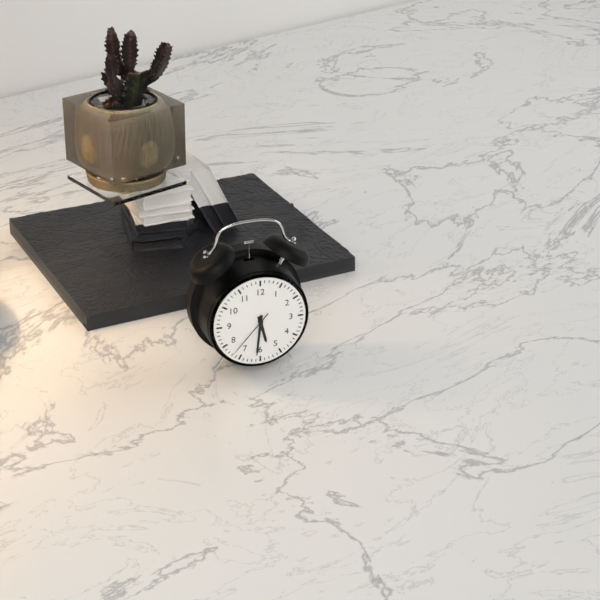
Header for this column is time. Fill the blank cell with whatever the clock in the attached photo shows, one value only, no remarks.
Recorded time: 5:31:37
